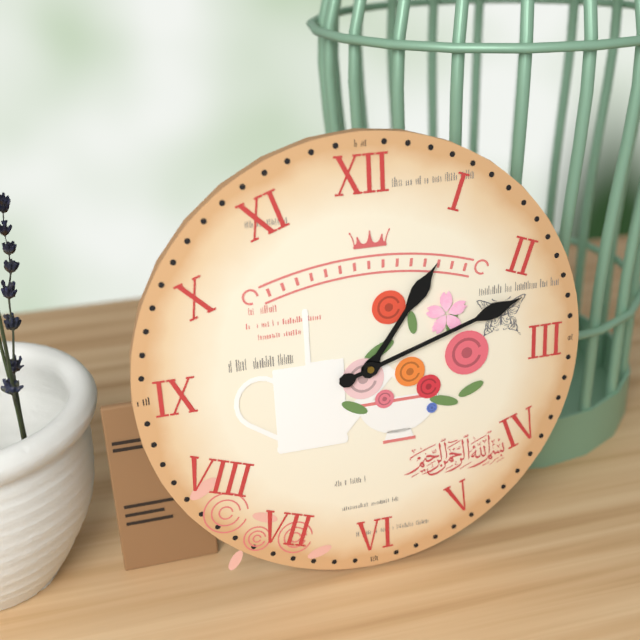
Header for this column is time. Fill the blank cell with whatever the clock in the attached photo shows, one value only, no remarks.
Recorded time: 1:12
